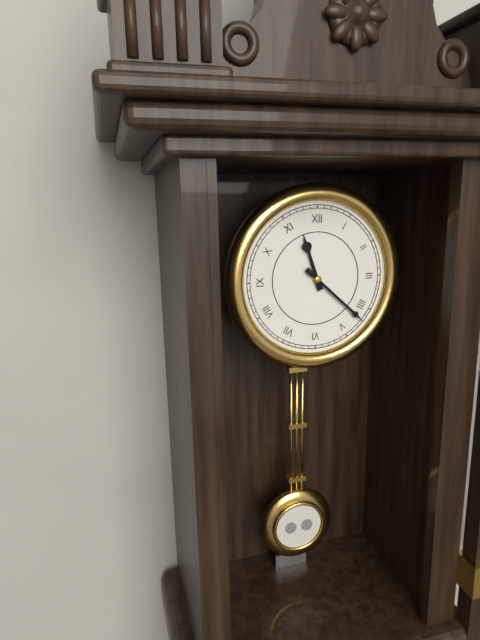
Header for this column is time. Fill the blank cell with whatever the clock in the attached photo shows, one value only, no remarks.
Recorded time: 11:22
